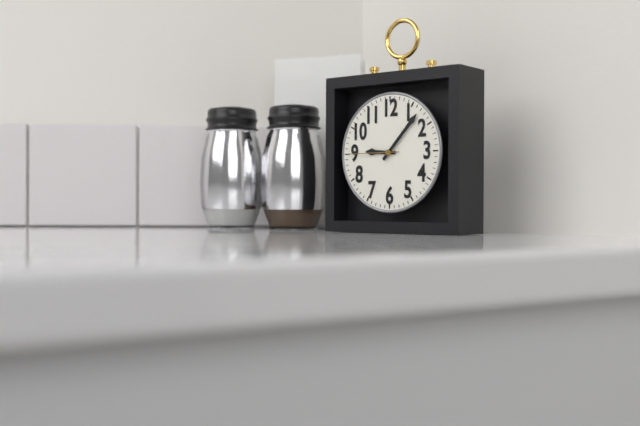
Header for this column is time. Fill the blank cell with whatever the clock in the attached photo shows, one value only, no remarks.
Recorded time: 9:07:45
